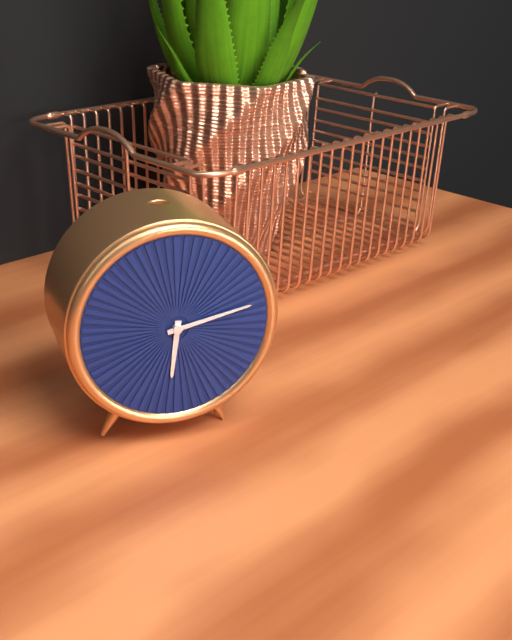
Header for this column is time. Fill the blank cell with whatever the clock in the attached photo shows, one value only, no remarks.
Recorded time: 6:13
